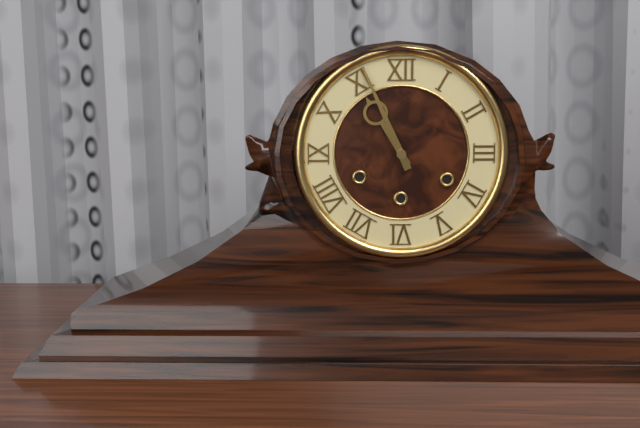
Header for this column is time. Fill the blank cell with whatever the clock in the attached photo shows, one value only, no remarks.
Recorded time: 10:56
